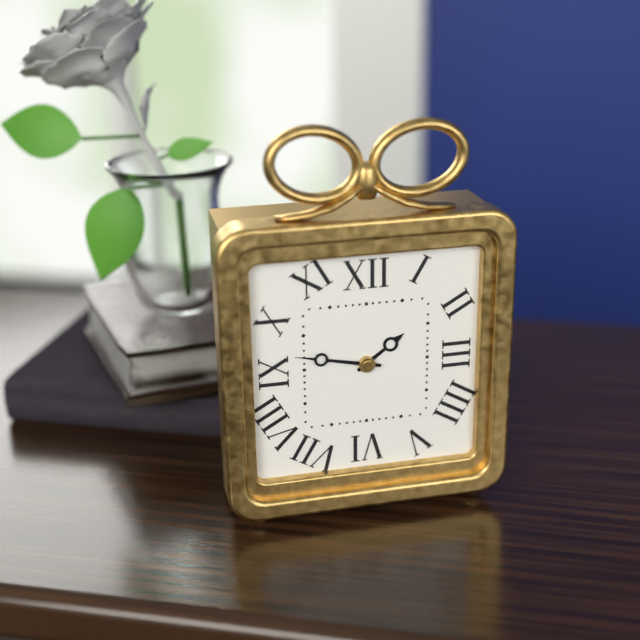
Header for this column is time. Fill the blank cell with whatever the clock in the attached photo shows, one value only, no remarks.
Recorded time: 1:47
